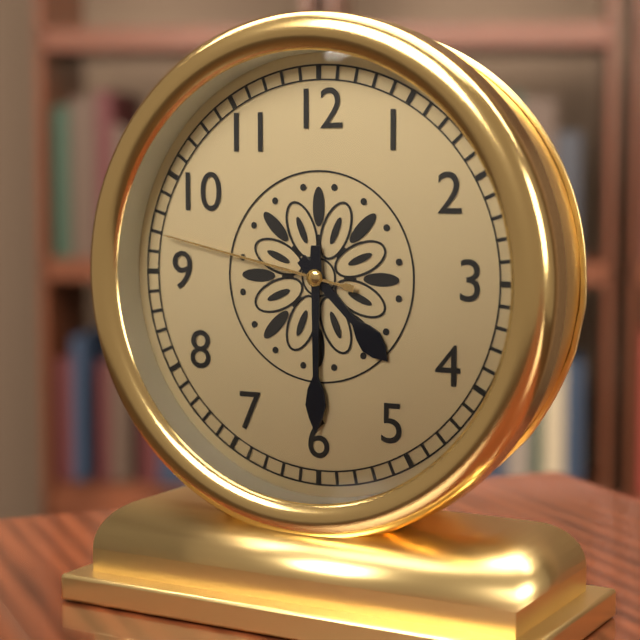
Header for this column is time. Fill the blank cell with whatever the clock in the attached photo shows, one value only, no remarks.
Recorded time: 4:30:47
